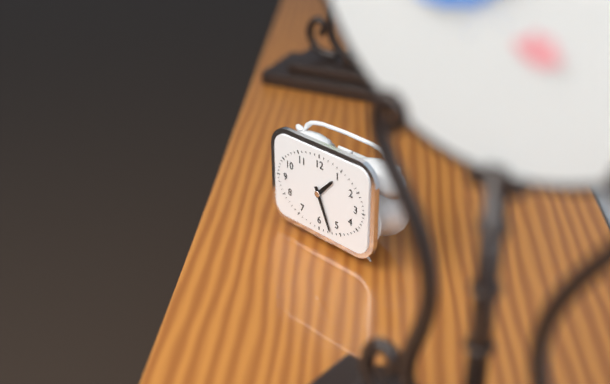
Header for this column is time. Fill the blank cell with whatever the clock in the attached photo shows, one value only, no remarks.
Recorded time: 1:26
